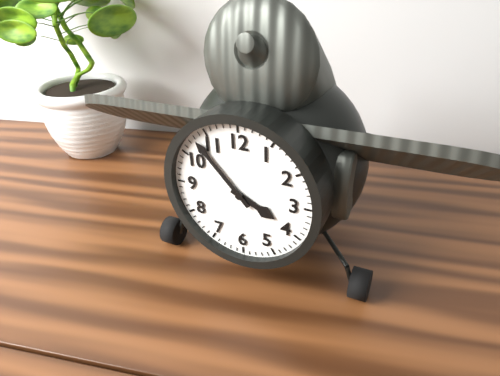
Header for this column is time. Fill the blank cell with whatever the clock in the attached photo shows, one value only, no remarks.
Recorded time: 3:53
